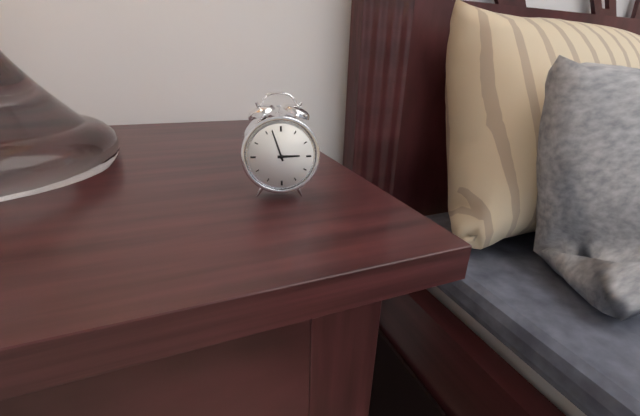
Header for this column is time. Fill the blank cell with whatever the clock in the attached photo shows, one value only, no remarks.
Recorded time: 2:57
